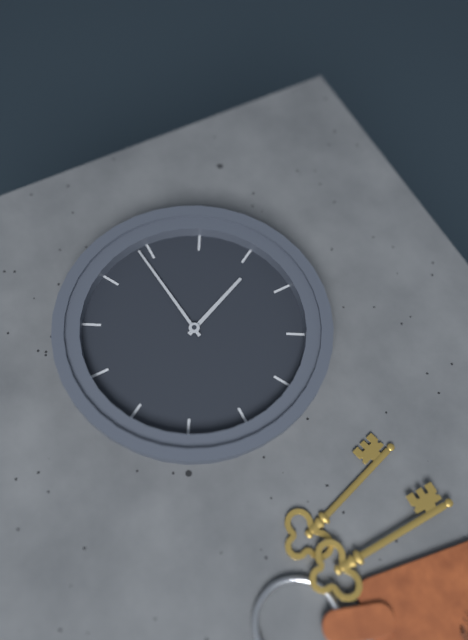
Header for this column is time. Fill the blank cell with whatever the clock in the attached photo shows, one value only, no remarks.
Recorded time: 5:14
